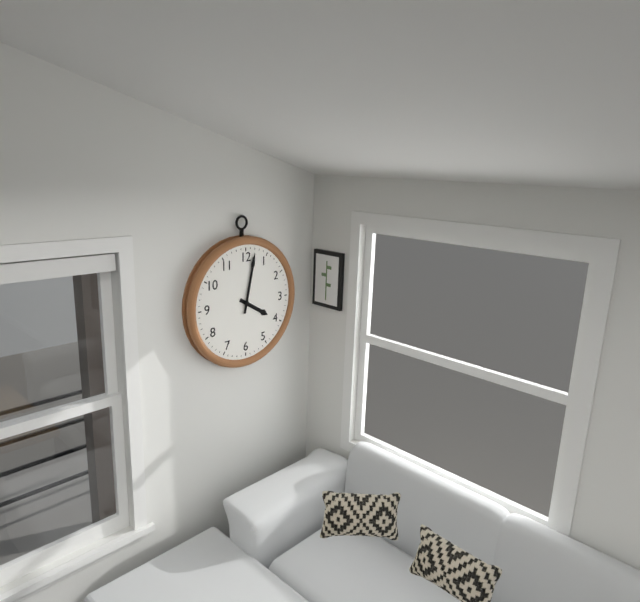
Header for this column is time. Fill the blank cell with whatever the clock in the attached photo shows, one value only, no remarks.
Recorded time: 4:02
